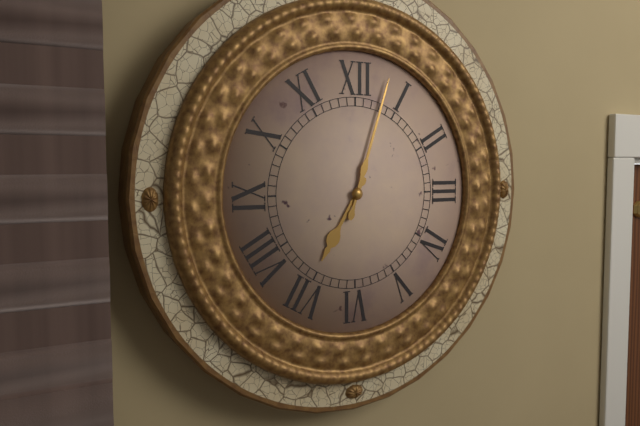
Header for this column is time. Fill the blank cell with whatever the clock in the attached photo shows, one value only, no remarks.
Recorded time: 7:03
